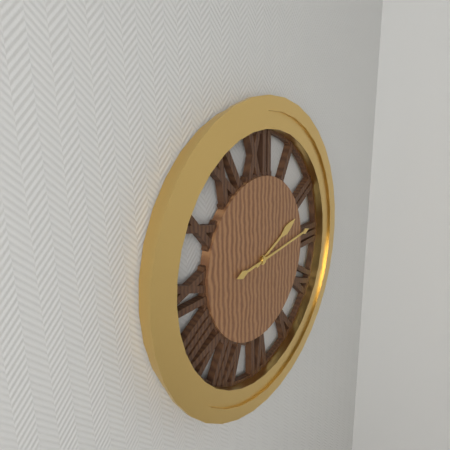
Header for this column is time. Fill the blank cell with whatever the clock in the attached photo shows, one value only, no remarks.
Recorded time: 2:14
